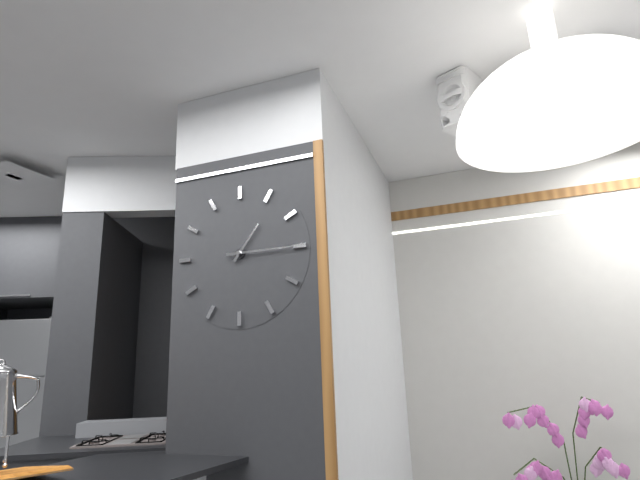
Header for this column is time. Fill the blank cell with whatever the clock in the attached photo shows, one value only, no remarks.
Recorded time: 1:15
